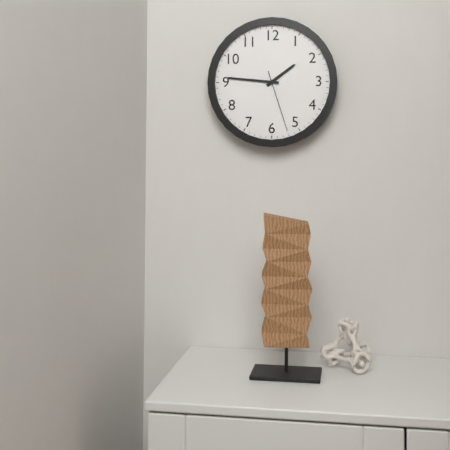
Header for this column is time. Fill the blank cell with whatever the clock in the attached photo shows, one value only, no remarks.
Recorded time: 1:46:27
